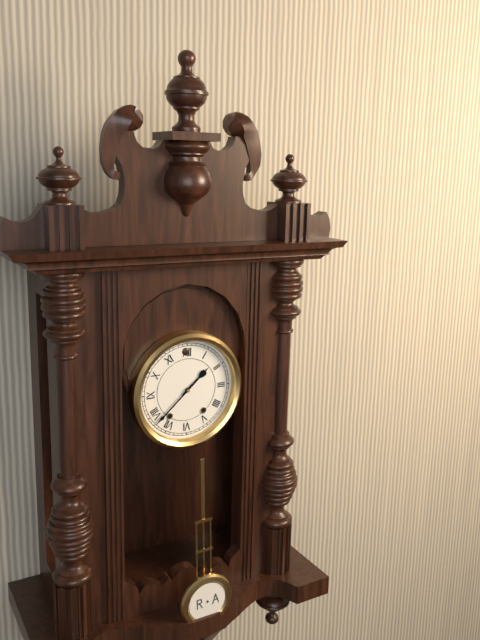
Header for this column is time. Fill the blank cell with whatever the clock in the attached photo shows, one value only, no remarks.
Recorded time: 1:38
